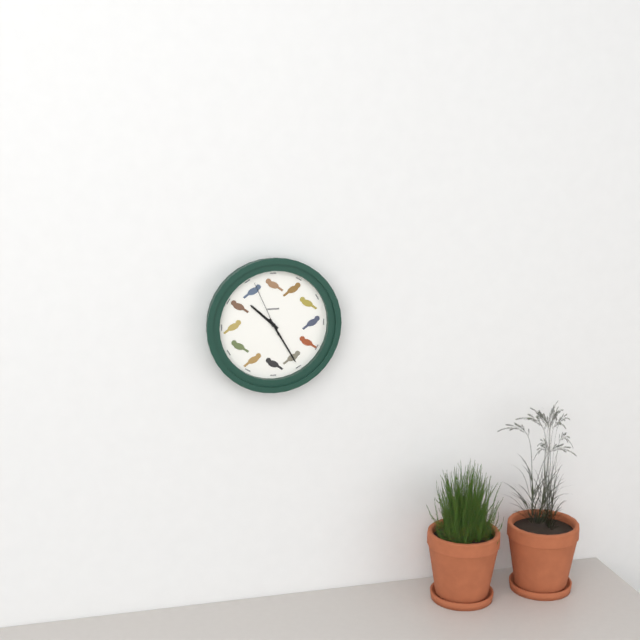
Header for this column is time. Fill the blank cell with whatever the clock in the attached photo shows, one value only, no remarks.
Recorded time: 10:25:56
